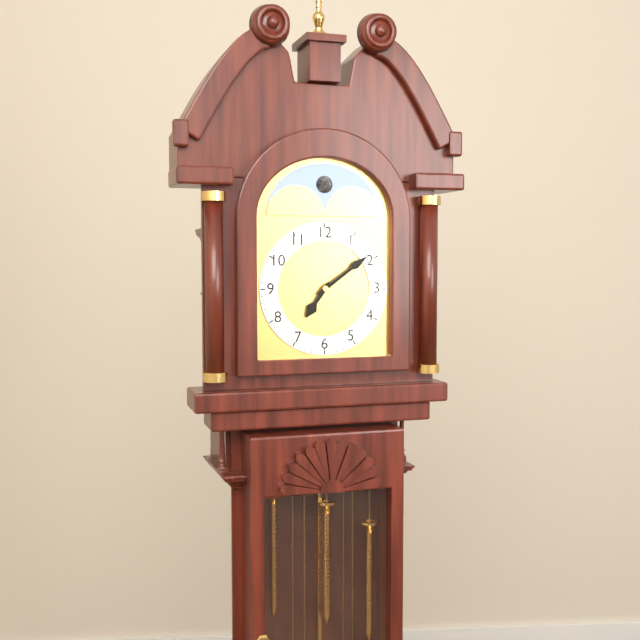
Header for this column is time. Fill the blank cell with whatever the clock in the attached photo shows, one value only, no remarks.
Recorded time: 7:09
